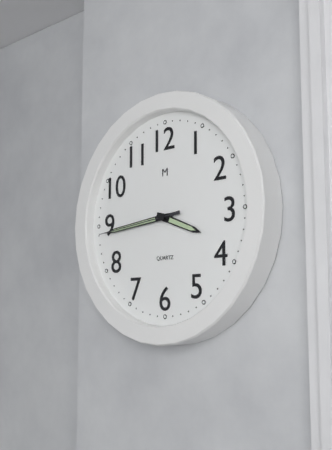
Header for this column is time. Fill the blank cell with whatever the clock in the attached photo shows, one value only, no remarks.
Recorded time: 3:44:44
